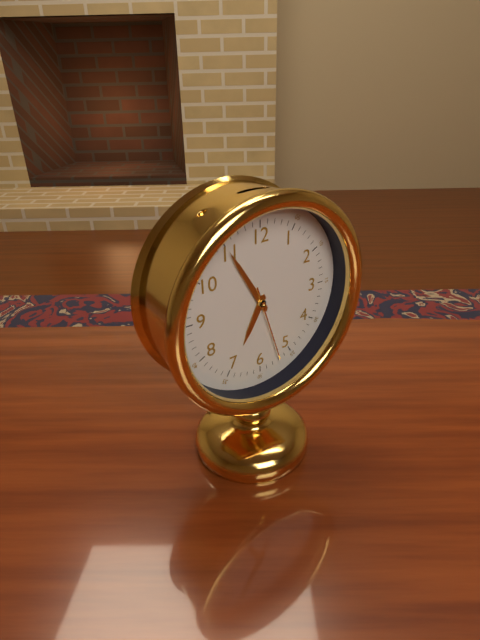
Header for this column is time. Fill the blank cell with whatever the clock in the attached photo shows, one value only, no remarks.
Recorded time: 6:55:27
